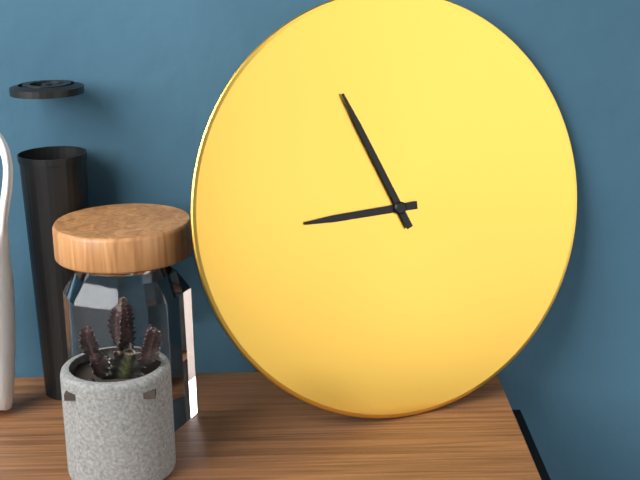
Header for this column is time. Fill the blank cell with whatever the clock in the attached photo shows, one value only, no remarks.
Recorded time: 8:56
